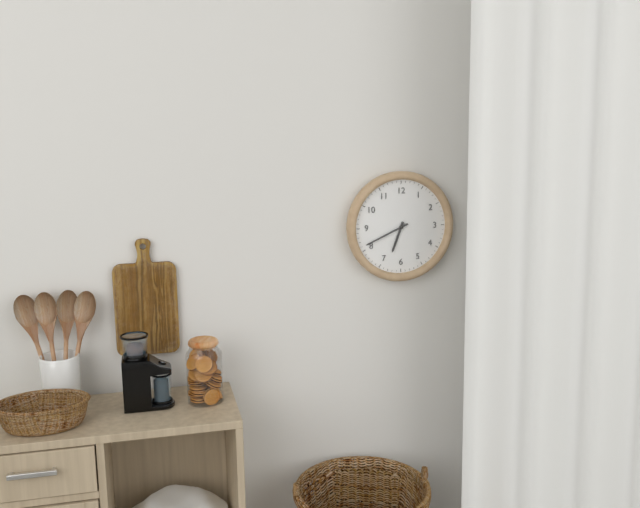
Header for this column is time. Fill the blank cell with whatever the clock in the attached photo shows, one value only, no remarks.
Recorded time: 6:41
